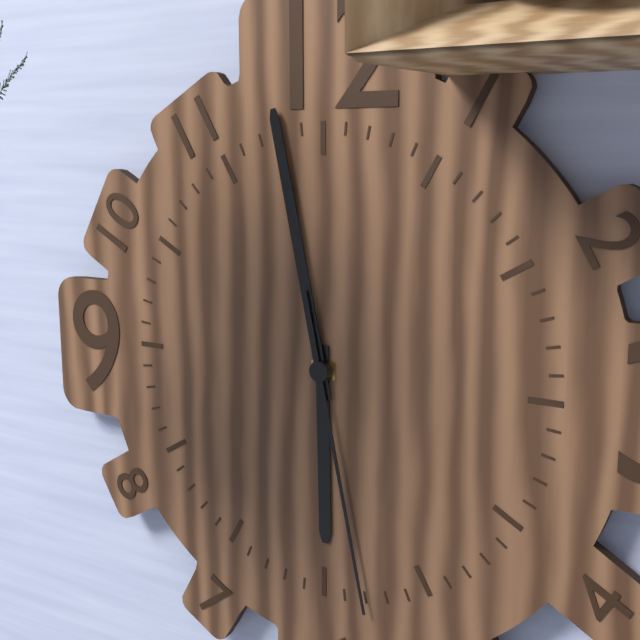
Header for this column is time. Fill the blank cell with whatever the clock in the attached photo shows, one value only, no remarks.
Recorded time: 5:58:28
